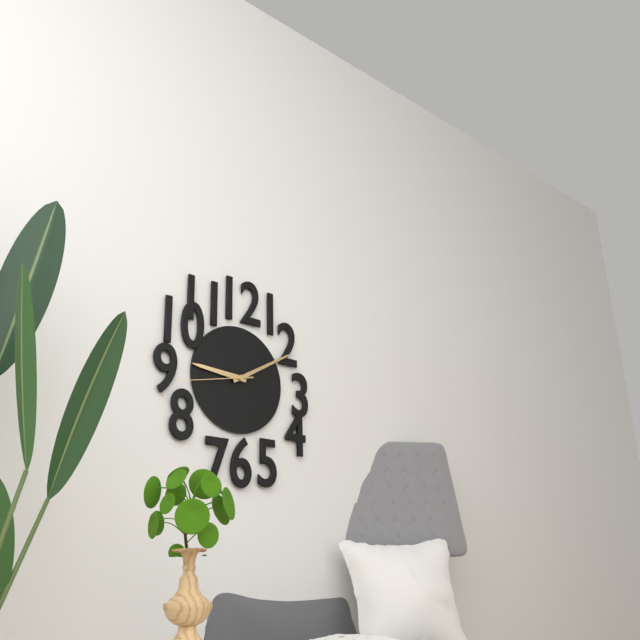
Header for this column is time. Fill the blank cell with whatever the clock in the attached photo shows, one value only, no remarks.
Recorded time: 9:10:43
